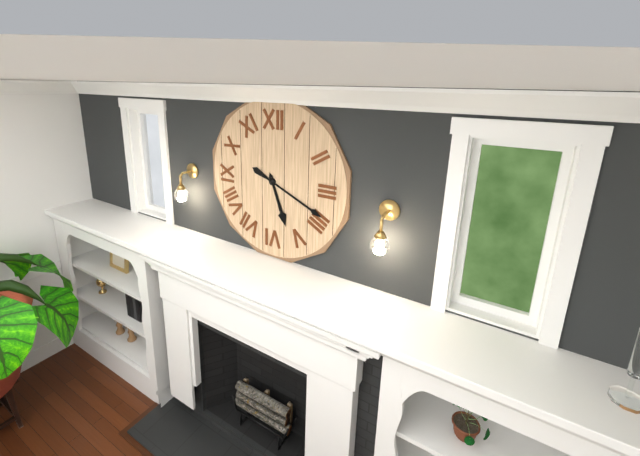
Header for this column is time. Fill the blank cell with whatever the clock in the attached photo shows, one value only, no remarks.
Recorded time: 5:19
